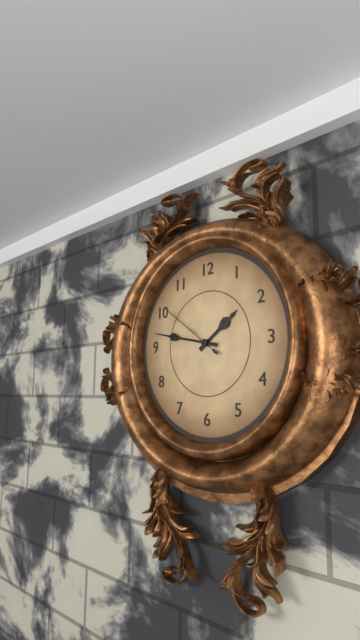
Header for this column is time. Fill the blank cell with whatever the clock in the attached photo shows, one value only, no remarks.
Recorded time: 1:47:51
